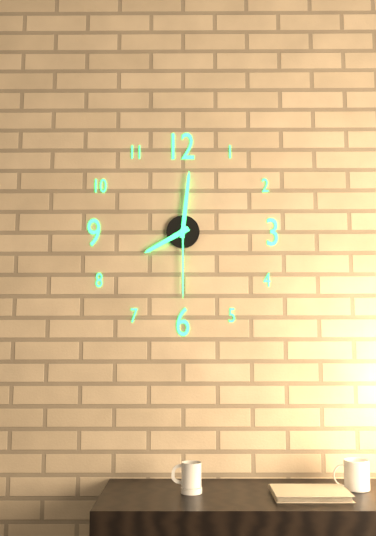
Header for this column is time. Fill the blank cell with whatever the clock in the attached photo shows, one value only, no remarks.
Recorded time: 8:01:30
